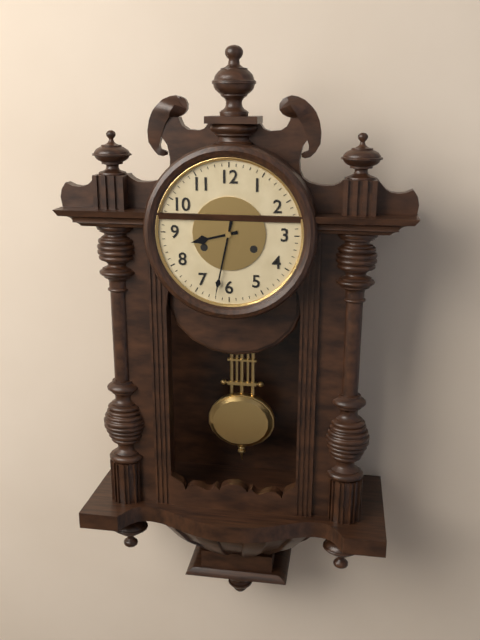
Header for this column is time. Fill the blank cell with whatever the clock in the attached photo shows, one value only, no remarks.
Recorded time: 8:32
